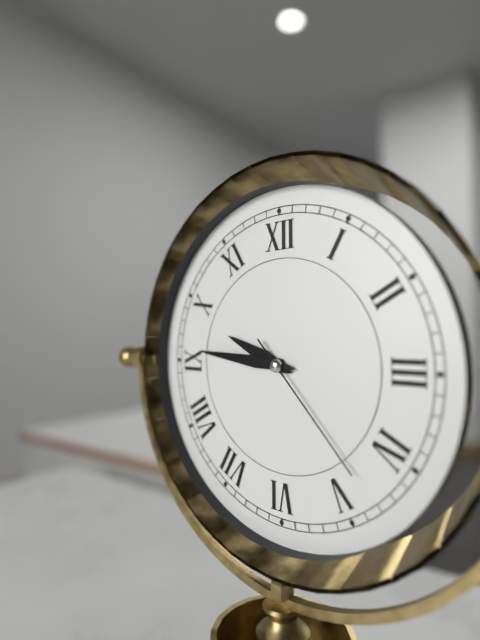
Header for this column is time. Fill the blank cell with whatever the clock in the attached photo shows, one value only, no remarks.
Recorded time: 9:46:23
